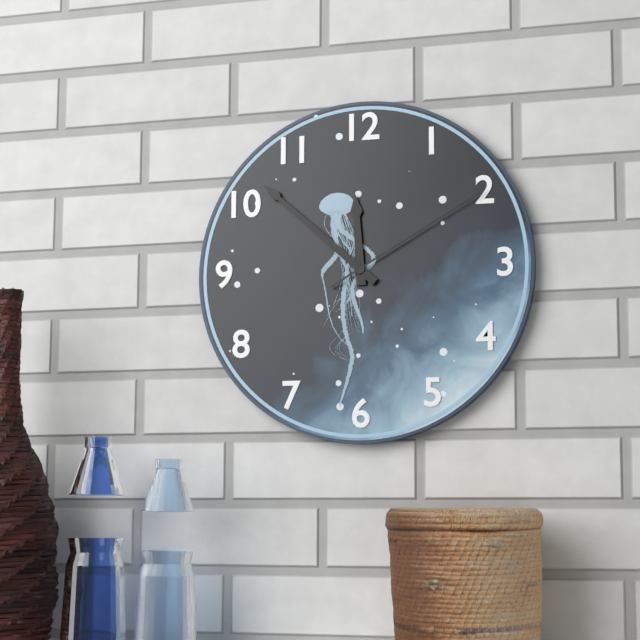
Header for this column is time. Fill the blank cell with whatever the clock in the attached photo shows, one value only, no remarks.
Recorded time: 11:52:10
